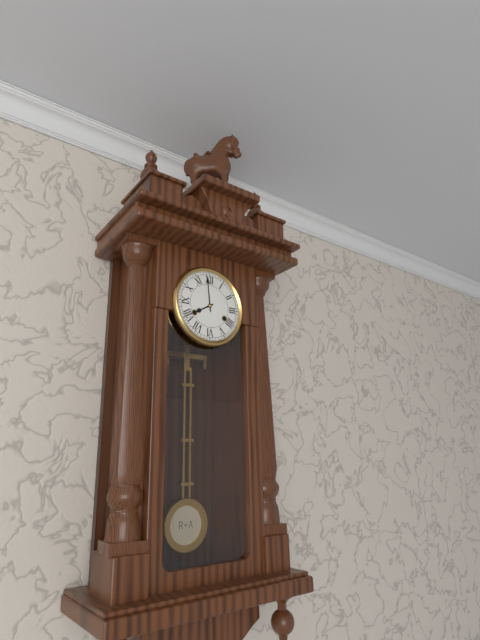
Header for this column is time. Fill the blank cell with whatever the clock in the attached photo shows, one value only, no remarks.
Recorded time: 7:59
